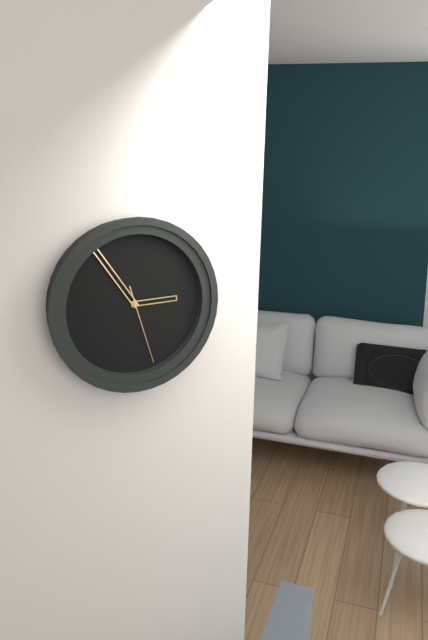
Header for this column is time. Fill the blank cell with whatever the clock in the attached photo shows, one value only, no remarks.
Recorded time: 2:54:27
